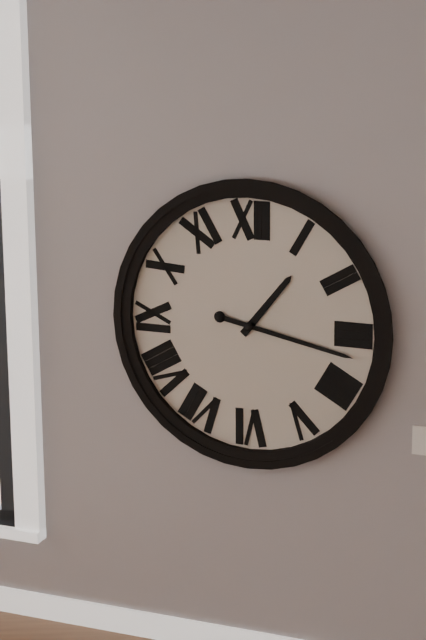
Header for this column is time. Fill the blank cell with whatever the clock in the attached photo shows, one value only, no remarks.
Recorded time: 1:17
